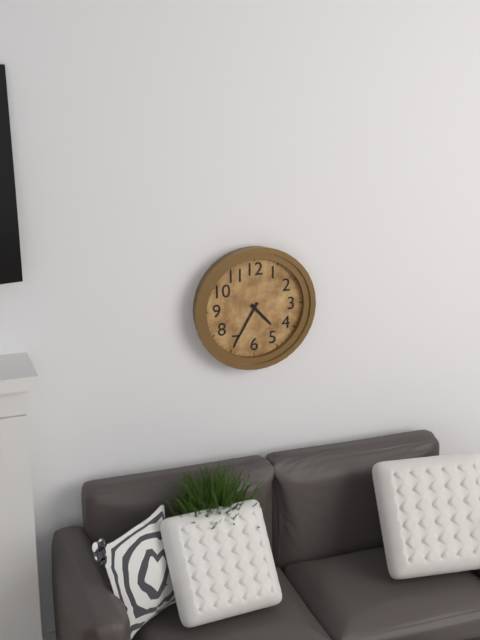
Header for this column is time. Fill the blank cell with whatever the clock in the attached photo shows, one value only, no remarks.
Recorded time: 4:35
